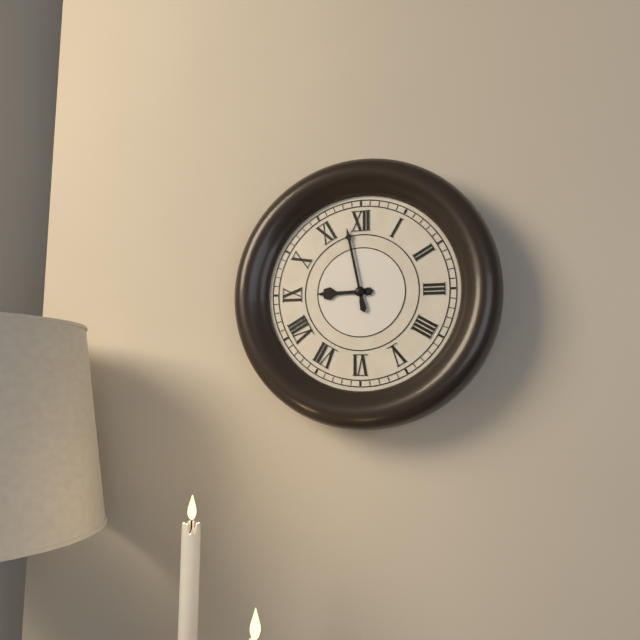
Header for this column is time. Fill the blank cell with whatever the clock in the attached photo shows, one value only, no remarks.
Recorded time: 8:58
